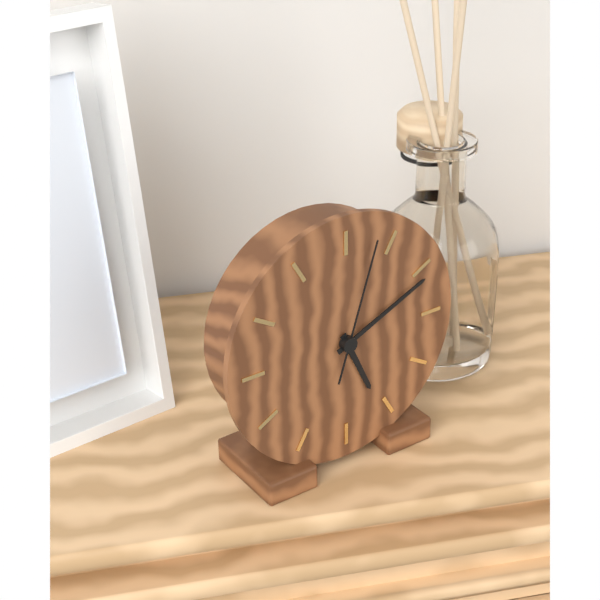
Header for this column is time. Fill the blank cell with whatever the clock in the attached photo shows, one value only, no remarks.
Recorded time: 5:11:03
